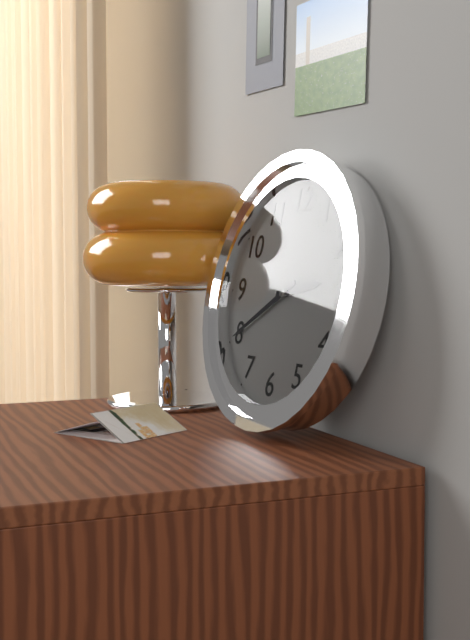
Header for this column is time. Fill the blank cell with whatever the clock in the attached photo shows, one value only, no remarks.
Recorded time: 2:40
